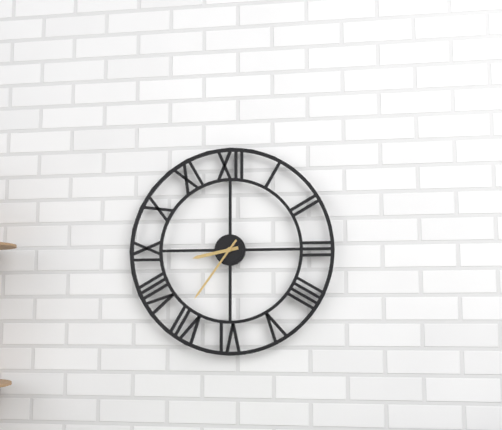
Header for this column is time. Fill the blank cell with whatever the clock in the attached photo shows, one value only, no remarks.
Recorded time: 8:36
